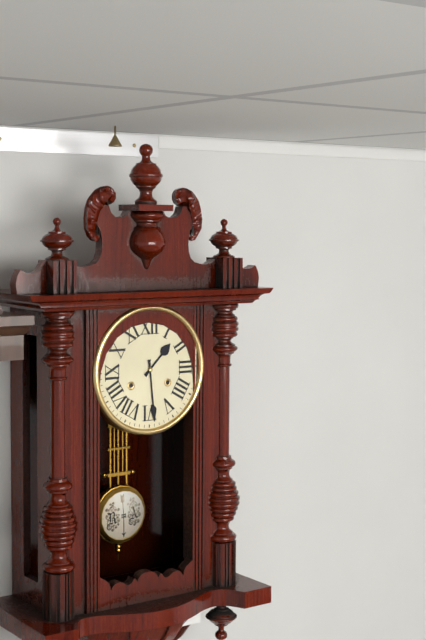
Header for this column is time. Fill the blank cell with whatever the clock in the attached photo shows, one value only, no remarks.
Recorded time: 1:29
